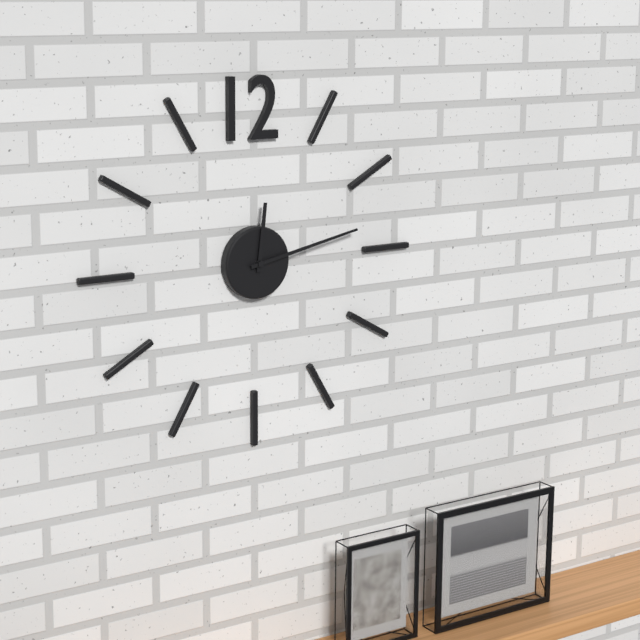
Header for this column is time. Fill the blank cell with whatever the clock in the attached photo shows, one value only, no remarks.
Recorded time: 12:13
